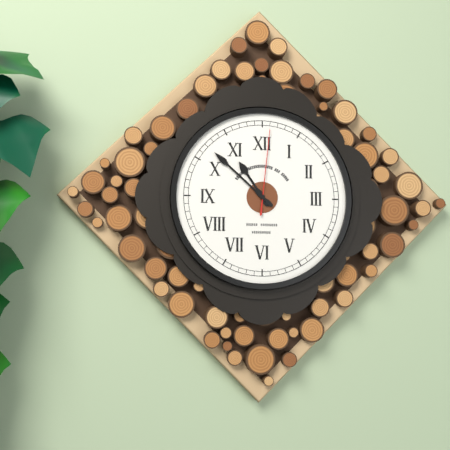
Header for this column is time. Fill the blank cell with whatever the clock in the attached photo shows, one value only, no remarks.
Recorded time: 10:52:01
